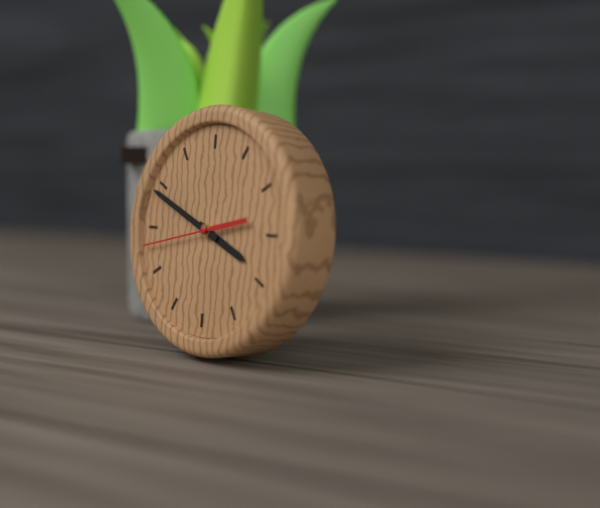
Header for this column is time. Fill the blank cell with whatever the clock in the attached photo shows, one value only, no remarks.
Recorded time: 3:49:43
